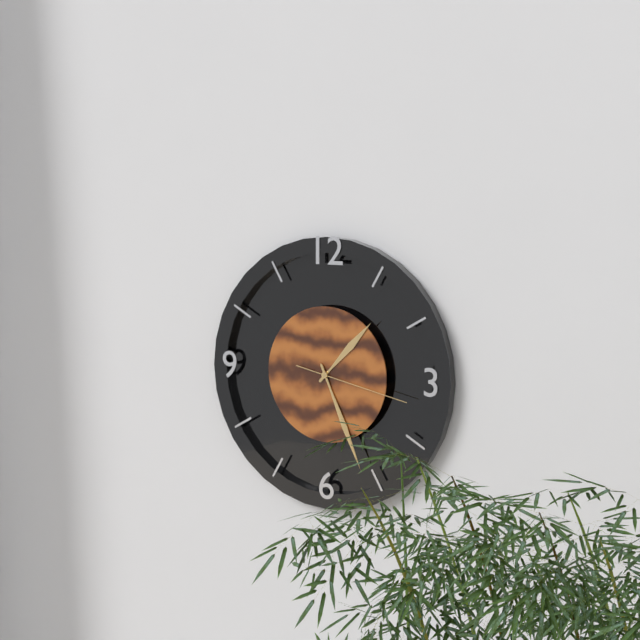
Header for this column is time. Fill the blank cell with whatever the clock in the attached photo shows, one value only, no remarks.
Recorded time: 1:26:17
